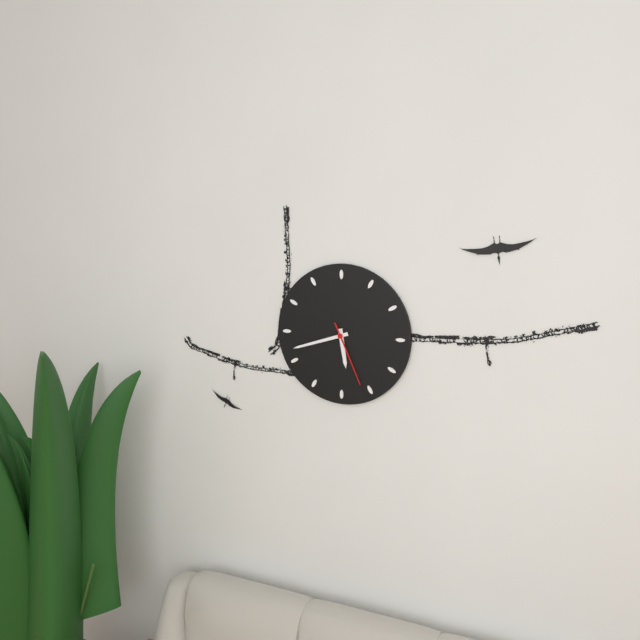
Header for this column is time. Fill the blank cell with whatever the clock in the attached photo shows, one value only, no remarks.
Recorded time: 5:42:26
